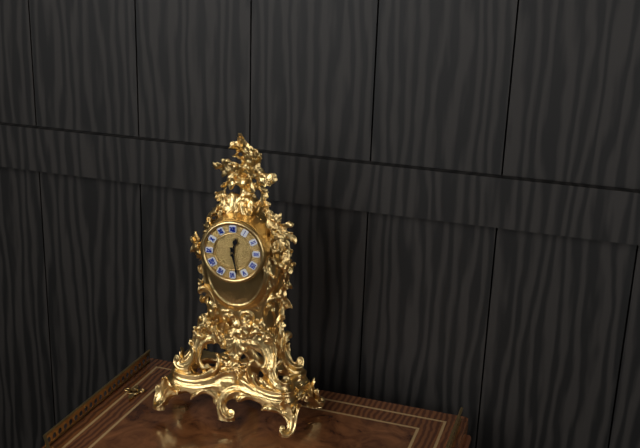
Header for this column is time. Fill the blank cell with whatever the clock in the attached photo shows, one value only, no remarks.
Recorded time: 12:28
